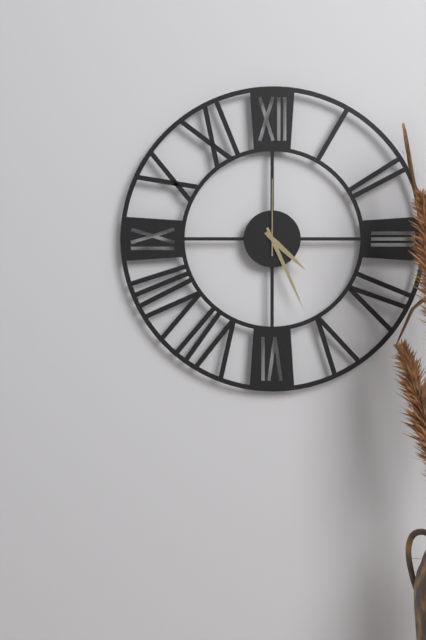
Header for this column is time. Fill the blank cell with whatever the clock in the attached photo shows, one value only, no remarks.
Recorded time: 4:26:00
